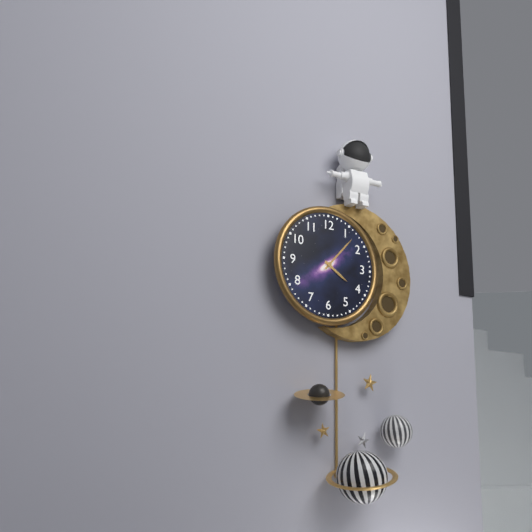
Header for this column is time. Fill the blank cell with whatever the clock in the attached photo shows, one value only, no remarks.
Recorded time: 4:07
